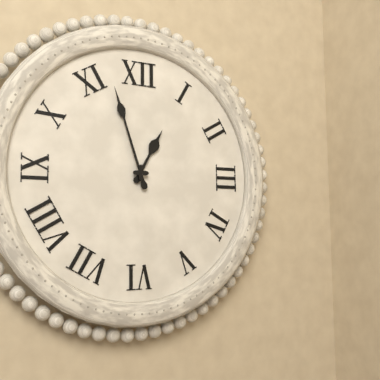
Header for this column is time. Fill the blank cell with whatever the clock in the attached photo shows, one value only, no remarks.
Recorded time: 12:57
